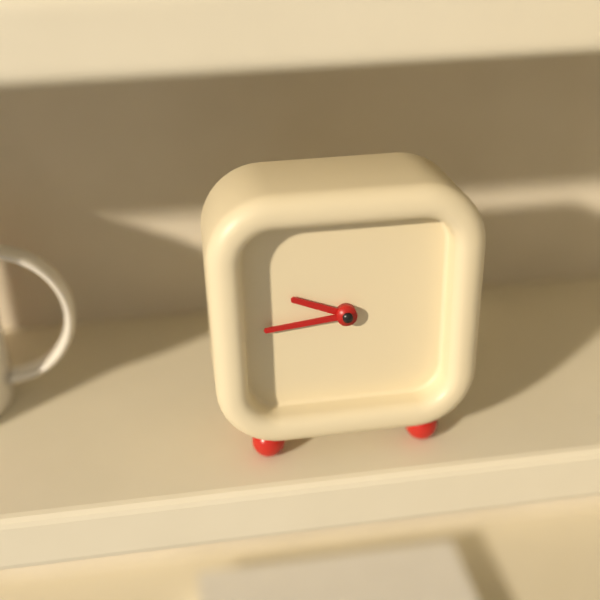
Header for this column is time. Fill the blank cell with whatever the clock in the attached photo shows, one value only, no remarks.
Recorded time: 9:44
